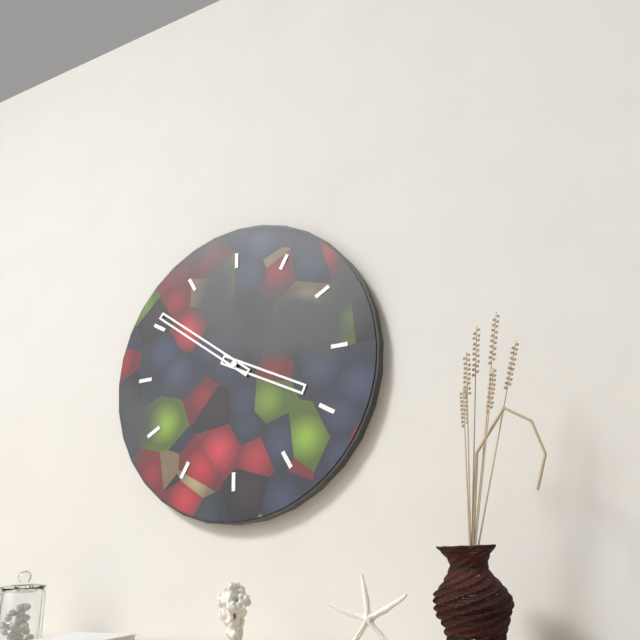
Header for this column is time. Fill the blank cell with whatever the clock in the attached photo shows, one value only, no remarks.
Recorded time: 3:51
